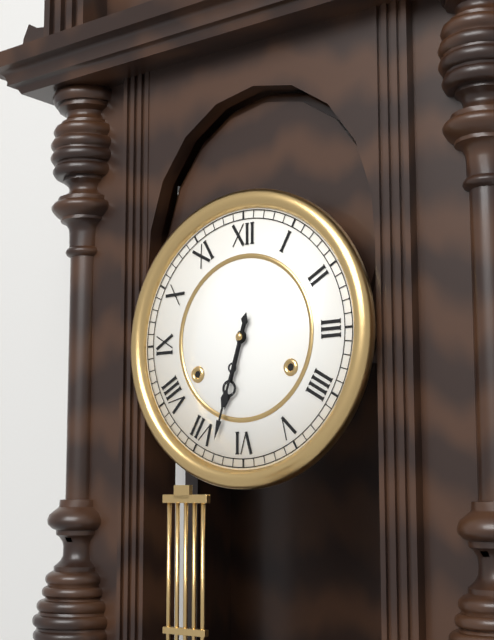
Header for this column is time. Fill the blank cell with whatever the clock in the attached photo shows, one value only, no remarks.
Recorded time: 6:33
